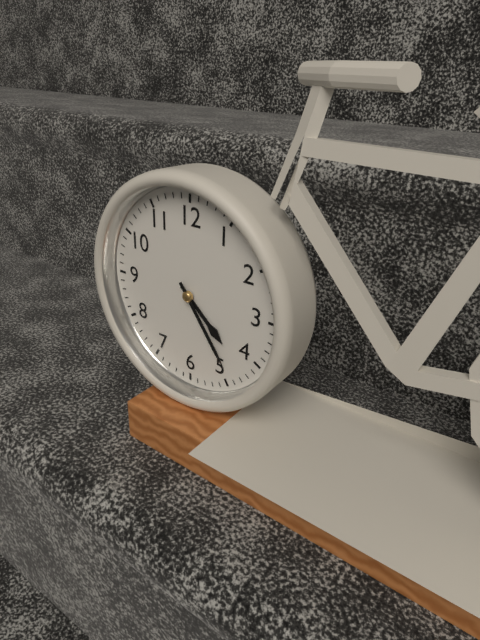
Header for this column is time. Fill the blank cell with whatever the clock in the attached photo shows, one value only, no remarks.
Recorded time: 4:24
